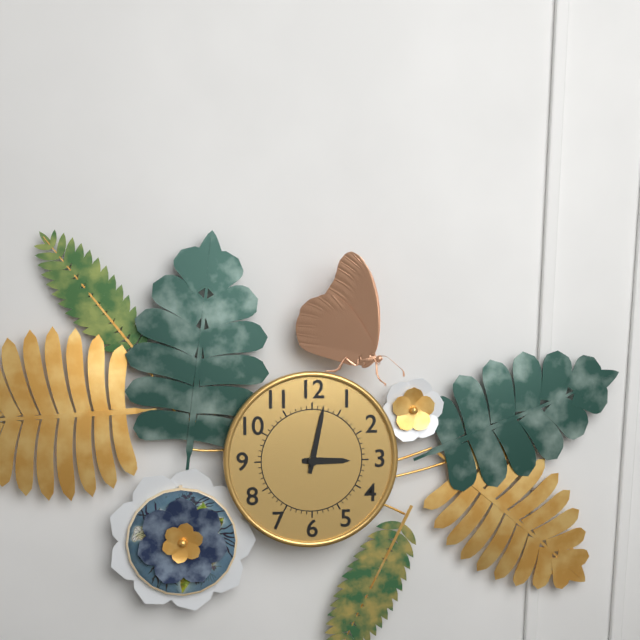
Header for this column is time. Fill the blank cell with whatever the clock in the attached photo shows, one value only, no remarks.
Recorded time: 3:02
